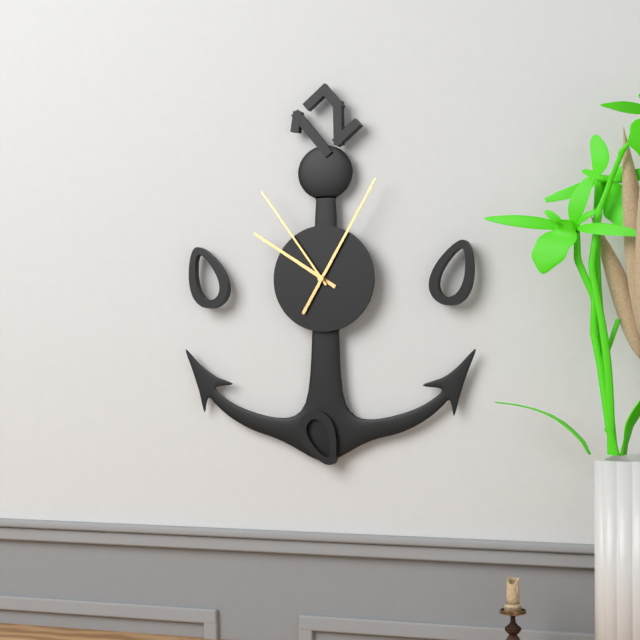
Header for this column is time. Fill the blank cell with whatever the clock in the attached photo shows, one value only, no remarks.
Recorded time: 10:05:54
